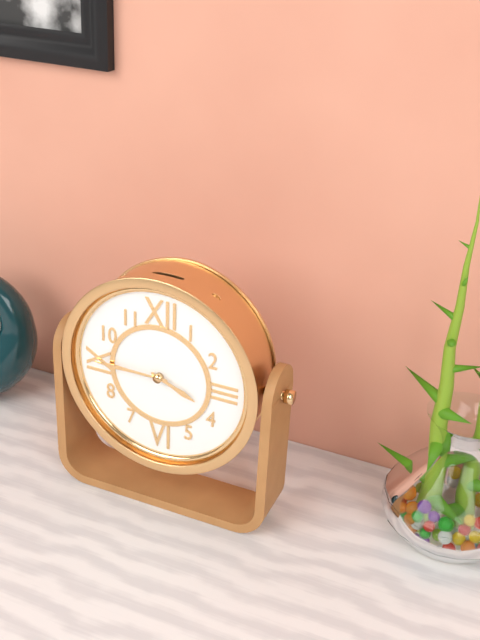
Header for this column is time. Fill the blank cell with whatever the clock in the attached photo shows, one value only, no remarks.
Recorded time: 3:45
